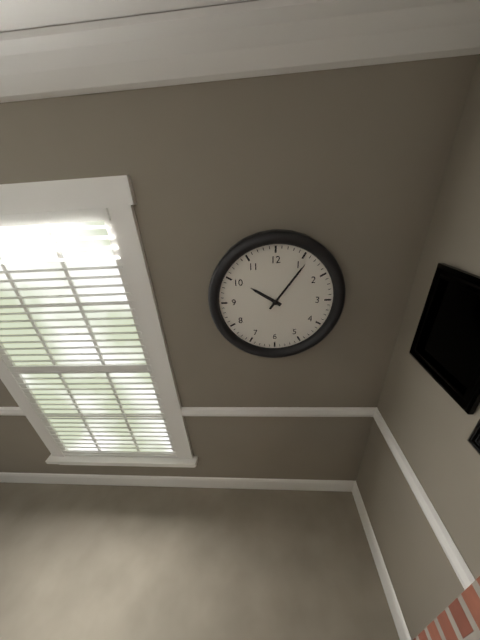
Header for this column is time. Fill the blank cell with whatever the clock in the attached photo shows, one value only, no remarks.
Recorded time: 10:06
